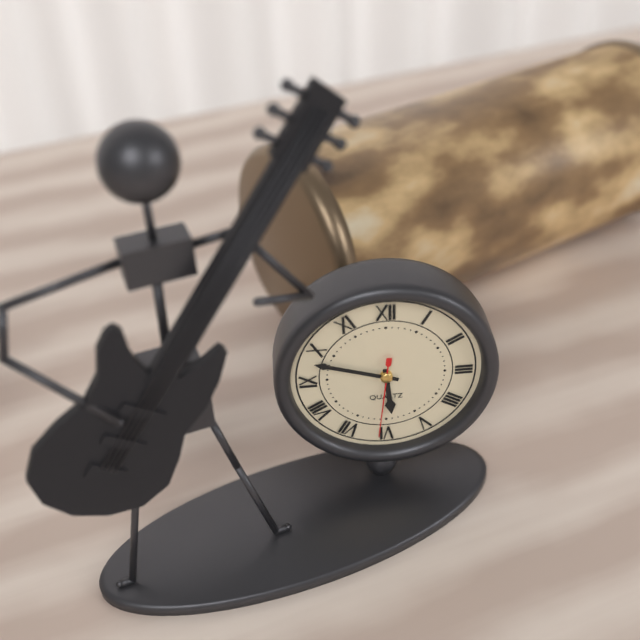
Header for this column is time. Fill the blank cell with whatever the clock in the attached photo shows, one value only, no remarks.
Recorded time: 5:48:31
